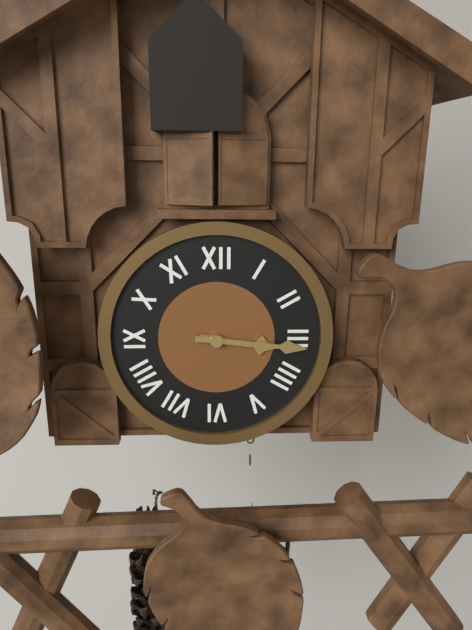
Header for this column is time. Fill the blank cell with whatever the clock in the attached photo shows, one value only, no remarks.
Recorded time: 3:16
